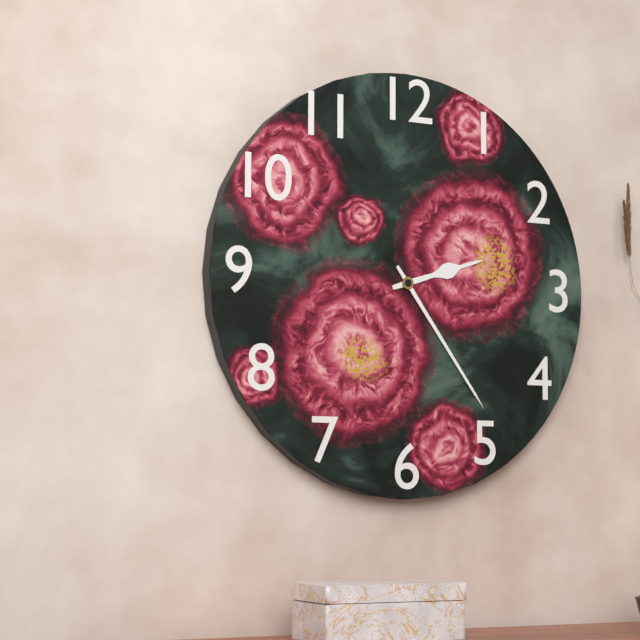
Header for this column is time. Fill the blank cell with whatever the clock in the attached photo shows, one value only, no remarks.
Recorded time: 2:24
